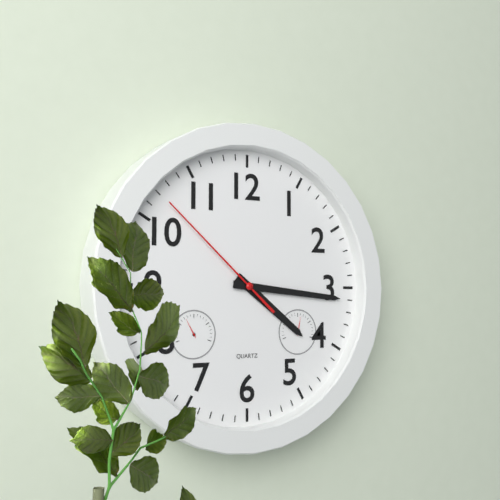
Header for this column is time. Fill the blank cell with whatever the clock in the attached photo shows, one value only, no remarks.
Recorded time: 4:16:52
